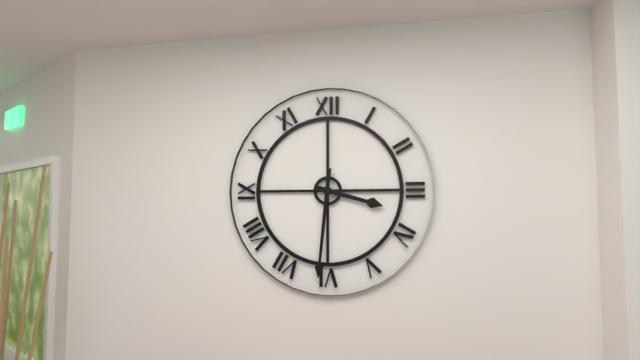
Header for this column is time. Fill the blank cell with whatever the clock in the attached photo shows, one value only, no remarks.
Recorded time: 3:31
